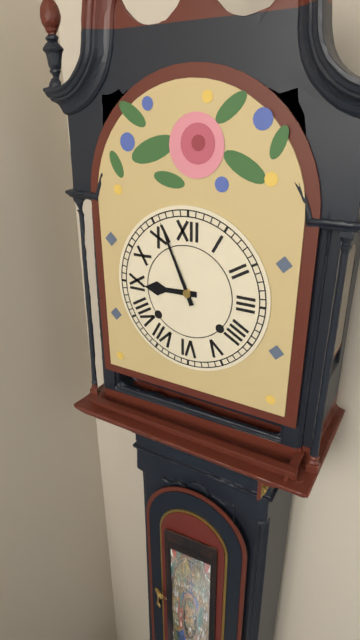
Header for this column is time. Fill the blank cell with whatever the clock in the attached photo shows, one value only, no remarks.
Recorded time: 8:56
